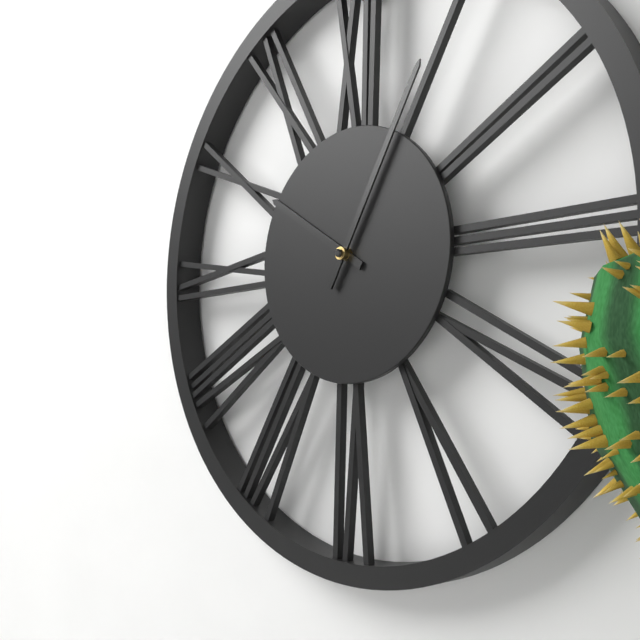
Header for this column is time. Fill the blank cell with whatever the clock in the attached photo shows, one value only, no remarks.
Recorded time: 10:05
